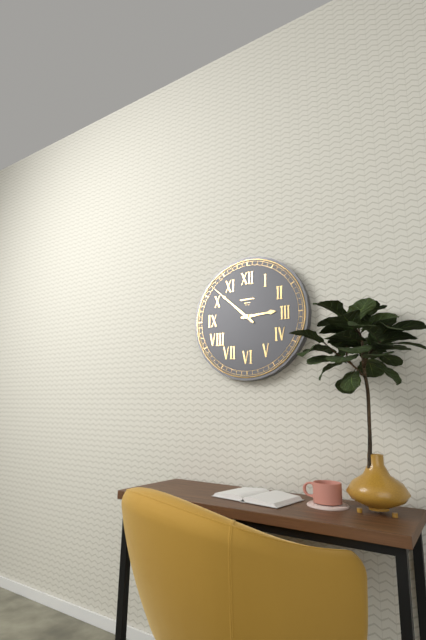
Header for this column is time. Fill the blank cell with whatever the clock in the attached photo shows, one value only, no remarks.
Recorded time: 2:52
